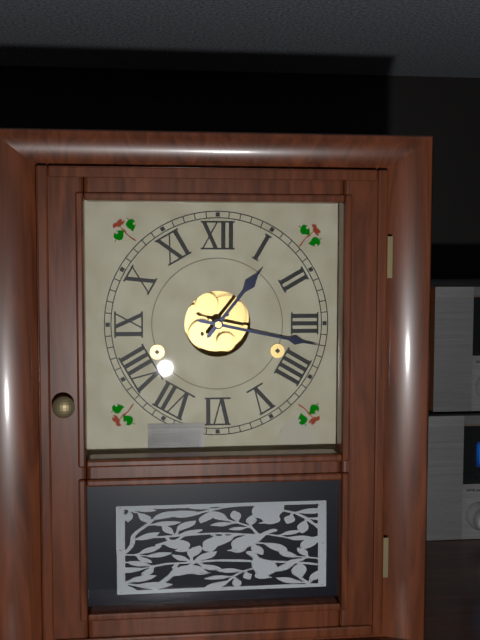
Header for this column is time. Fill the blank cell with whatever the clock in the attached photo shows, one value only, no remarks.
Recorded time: 1:17
